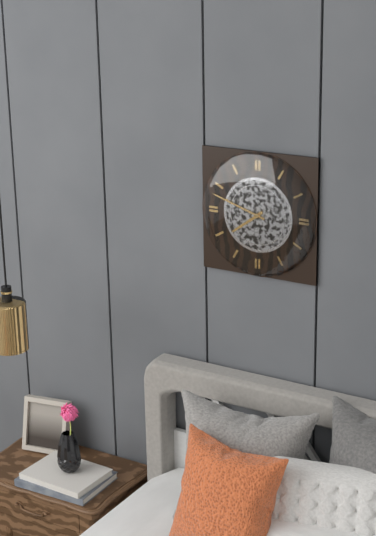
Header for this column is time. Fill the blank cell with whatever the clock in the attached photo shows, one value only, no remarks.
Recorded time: 7:48
